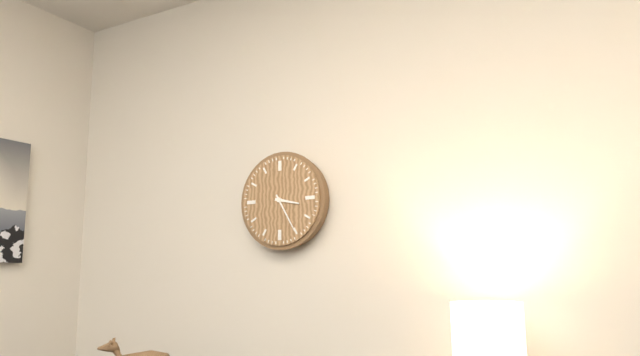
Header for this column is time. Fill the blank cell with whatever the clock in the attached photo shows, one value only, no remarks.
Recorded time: 3:25
